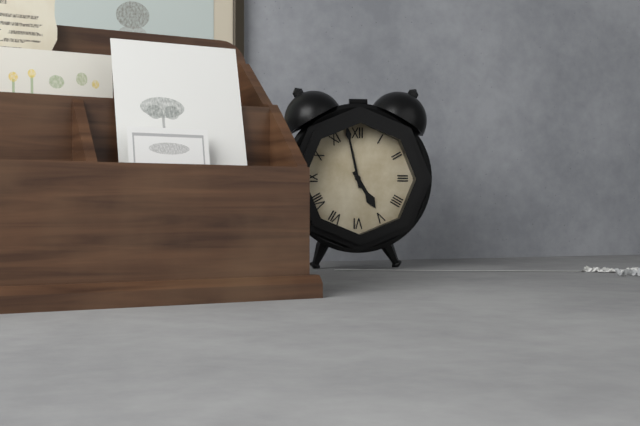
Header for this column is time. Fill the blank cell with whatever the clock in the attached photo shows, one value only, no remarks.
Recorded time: 4:58
